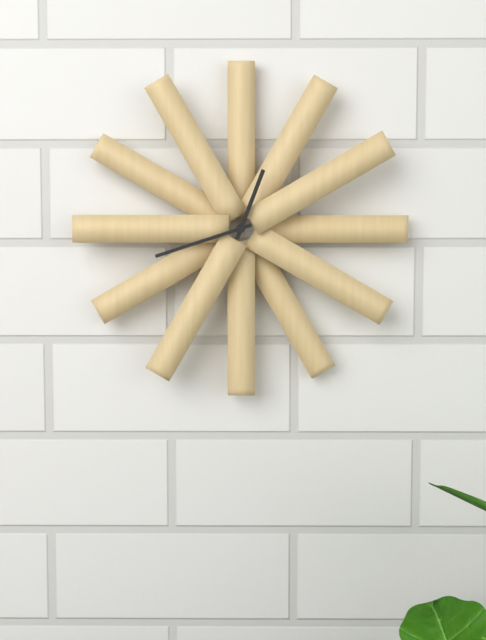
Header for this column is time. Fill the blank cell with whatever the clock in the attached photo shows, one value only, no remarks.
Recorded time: 12:42
